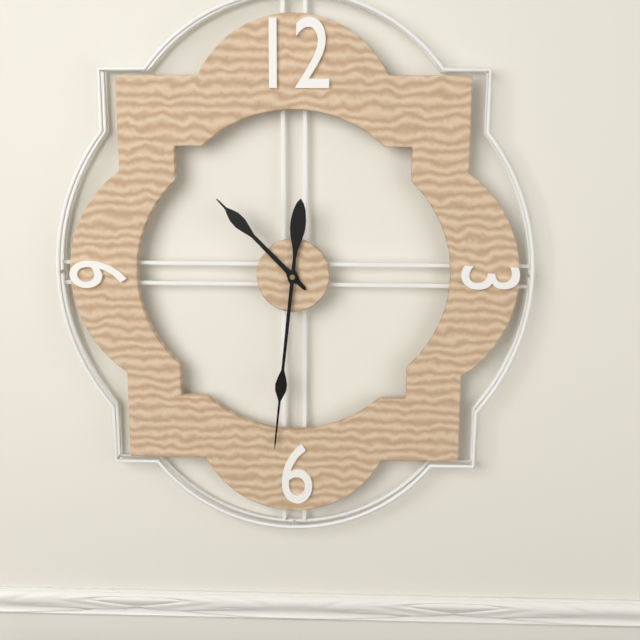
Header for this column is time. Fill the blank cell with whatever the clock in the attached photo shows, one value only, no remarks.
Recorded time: 10:31
